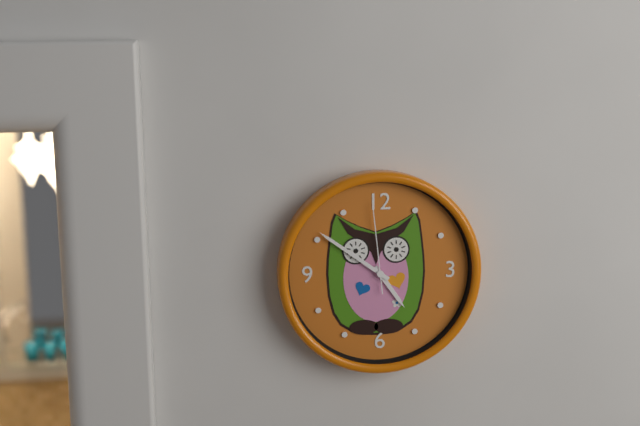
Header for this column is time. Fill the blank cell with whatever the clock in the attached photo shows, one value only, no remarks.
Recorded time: 4:51:59
